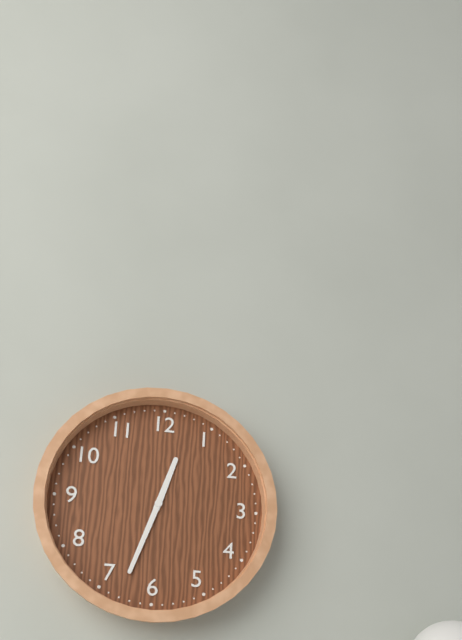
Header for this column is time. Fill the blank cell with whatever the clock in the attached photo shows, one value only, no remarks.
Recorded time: 12:33
